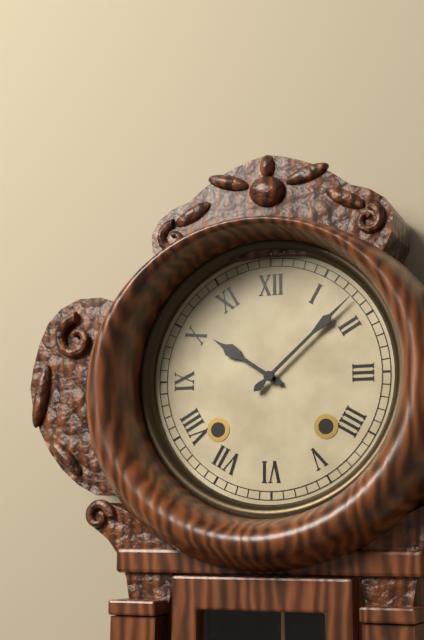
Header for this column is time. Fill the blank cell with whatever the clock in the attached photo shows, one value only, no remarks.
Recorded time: 10:08
